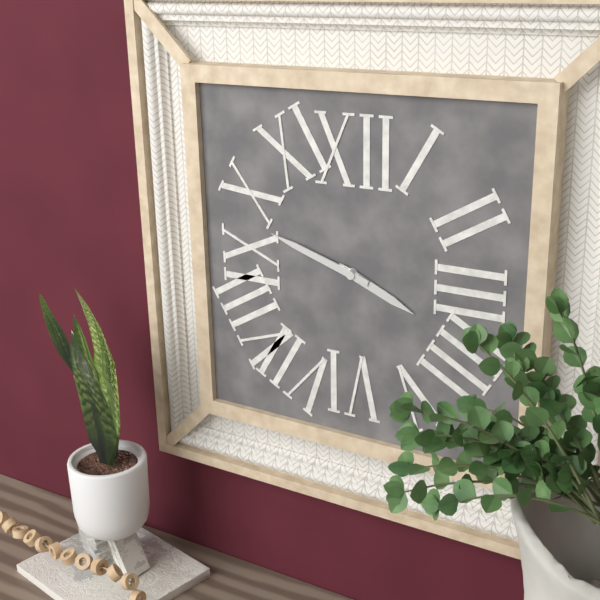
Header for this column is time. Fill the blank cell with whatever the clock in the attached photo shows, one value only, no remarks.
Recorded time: 3:48
